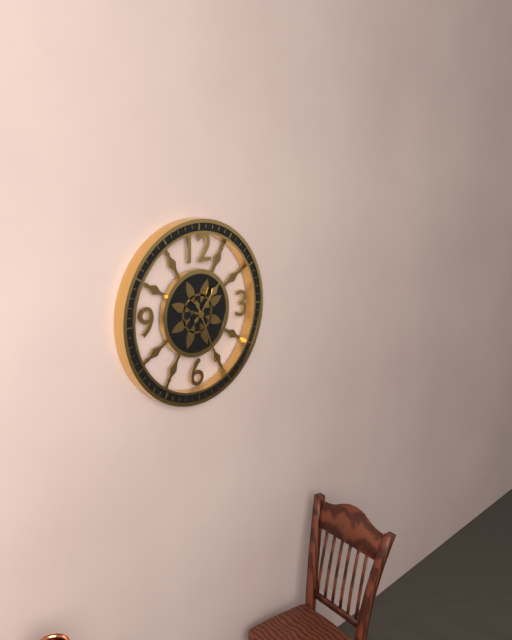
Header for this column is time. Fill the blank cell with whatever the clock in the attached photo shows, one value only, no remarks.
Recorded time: 1:26
